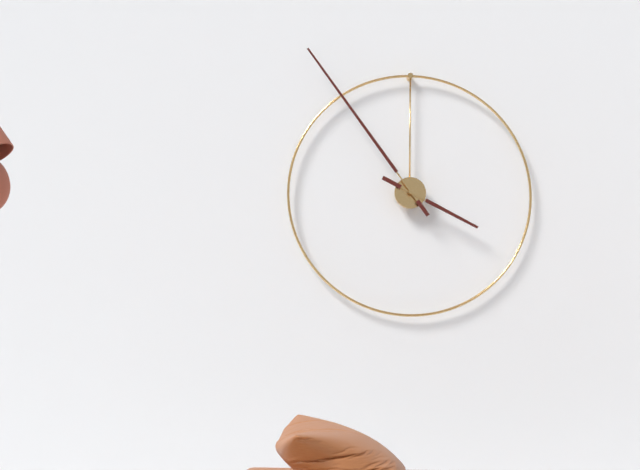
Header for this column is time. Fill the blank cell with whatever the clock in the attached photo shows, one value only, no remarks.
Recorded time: 3:54
